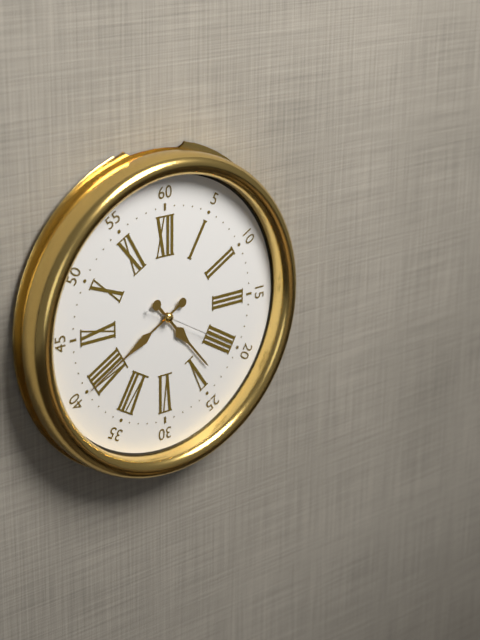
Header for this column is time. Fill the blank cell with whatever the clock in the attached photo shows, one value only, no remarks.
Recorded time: 4:40:20
